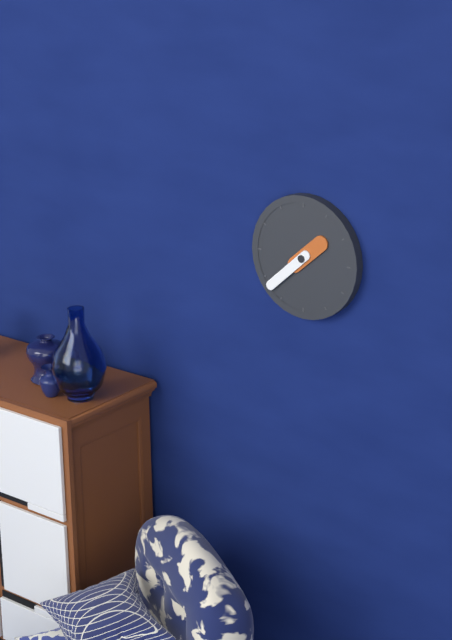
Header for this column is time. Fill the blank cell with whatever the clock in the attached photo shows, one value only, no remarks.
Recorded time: 1:38
